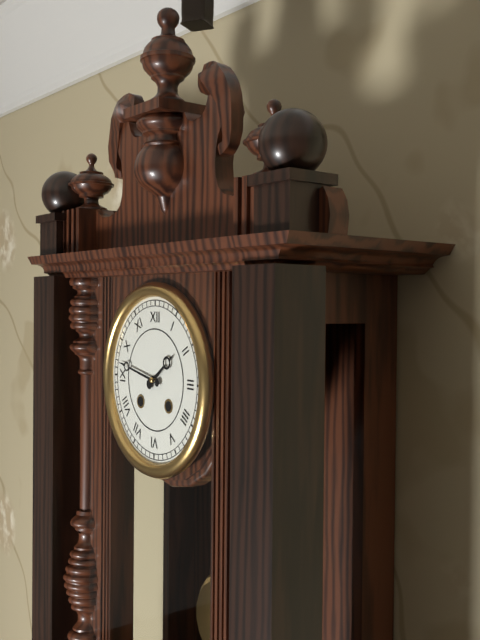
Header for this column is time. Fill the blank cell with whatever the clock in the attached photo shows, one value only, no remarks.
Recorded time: 1:47
